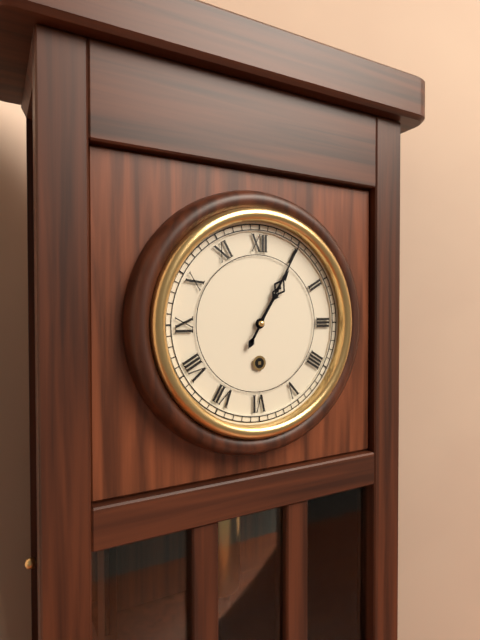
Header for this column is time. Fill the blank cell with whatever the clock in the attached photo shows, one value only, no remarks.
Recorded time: 1:05
